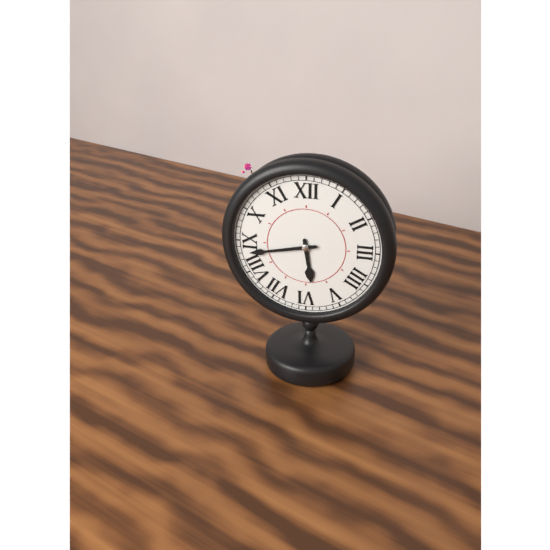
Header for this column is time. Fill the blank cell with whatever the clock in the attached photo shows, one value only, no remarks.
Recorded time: 5:43
